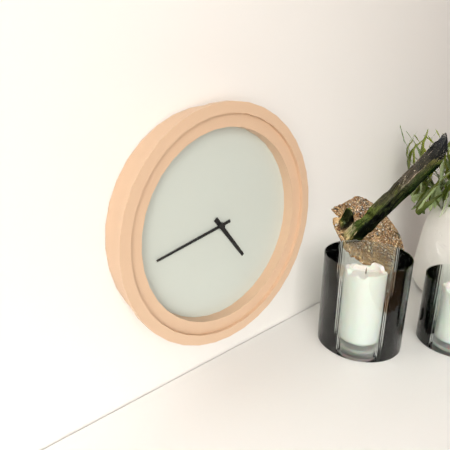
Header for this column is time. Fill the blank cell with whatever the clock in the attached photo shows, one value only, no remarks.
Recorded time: 4:43
